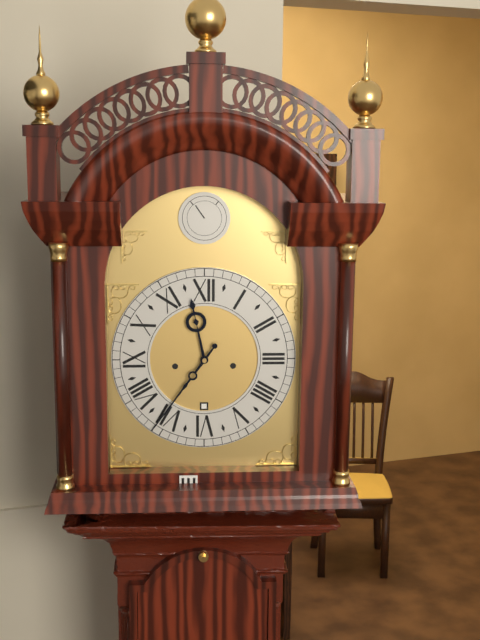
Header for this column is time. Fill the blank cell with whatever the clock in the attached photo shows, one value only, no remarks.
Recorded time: 11:36
